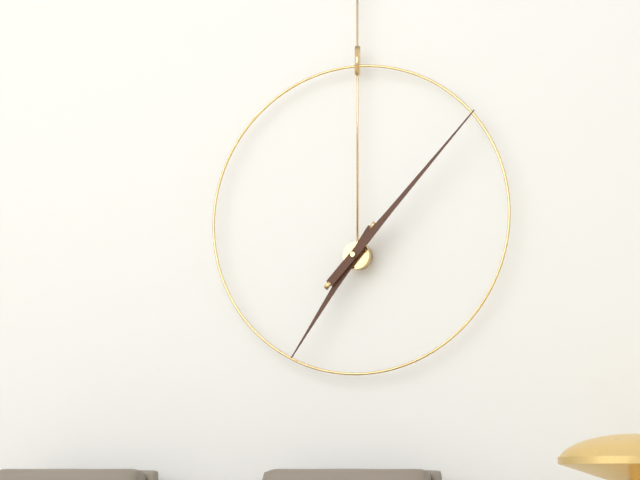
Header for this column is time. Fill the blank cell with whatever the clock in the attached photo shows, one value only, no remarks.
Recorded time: 7:07
